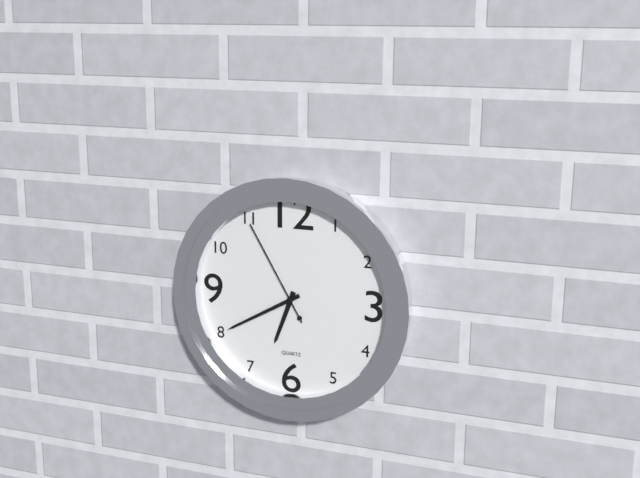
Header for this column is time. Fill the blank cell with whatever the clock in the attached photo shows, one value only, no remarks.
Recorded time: 6:40:55
